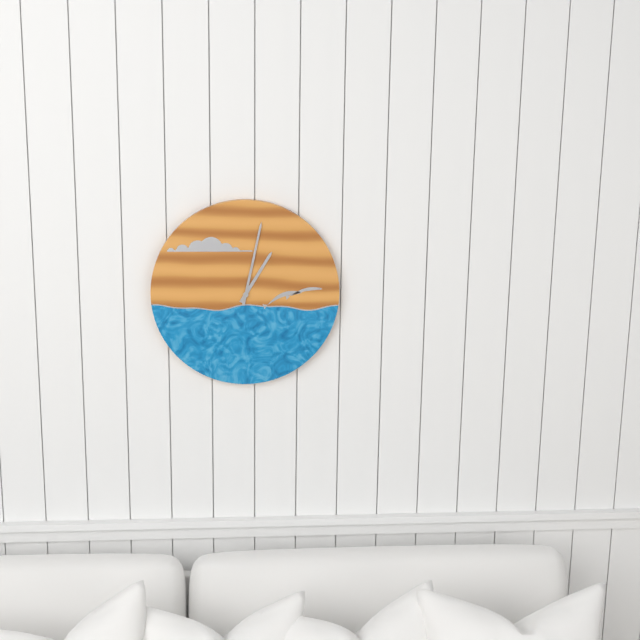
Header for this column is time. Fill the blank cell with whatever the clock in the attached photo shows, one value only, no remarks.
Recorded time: 1:02
